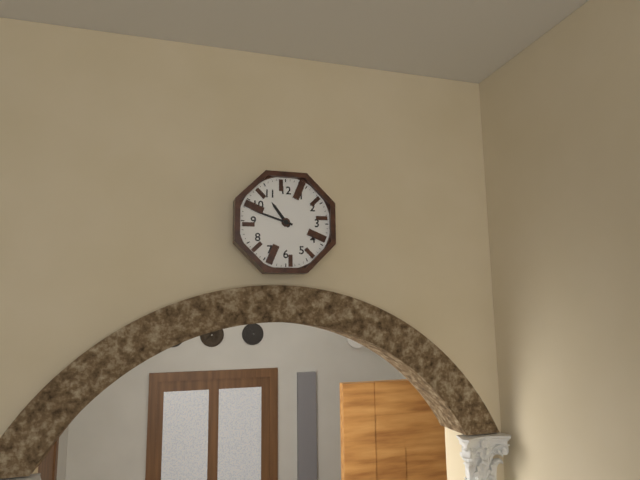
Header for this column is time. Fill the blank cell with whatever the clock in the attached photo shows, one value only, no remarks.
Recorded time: 10:48
